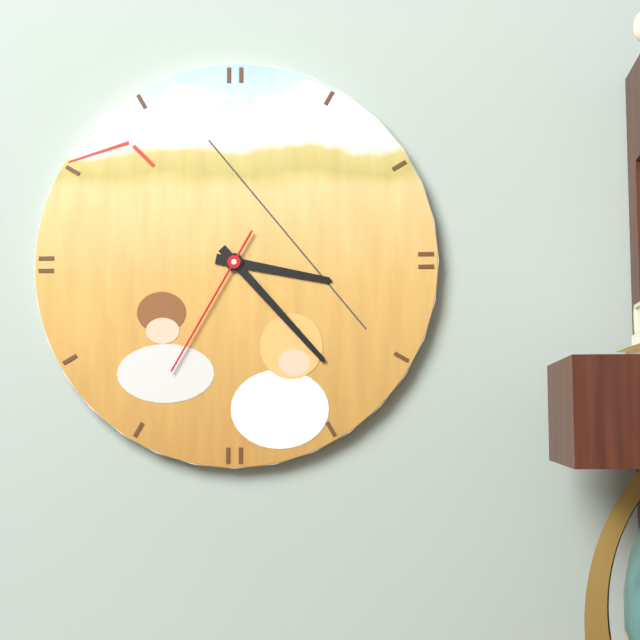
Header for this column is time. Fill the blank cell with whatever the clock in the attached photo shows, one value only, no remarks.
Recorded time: 3:23:35
